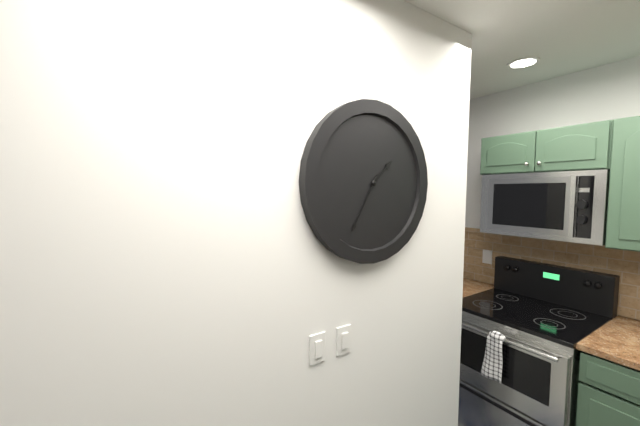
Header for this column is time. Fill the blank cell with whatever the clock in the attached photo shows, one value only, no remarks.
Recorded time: 1:35
